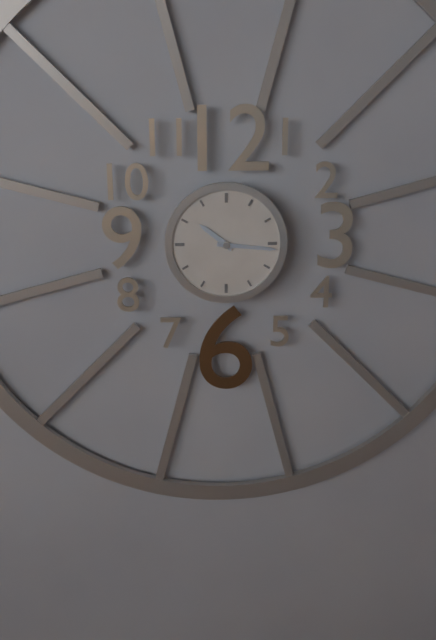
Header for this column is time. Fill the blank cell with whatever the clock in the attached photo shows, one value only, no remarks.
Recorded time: 10:16
